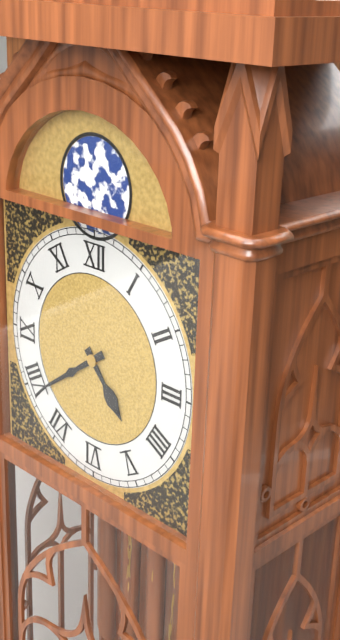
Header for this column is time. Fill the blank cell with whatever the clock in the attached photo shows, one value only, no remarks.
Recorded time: 4:39
